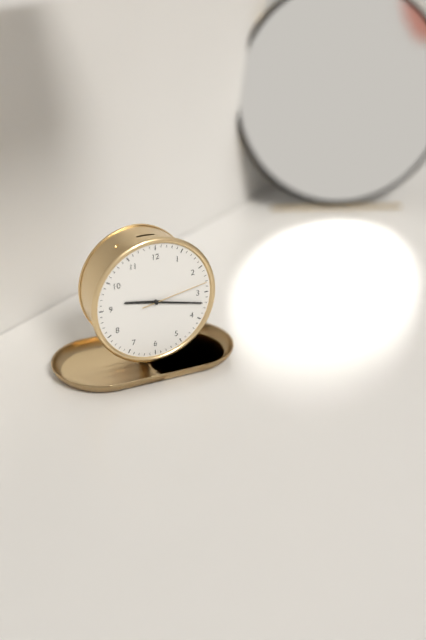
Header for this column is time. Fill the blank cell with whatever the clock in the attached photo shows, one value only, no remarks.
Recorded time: 9:17:13
